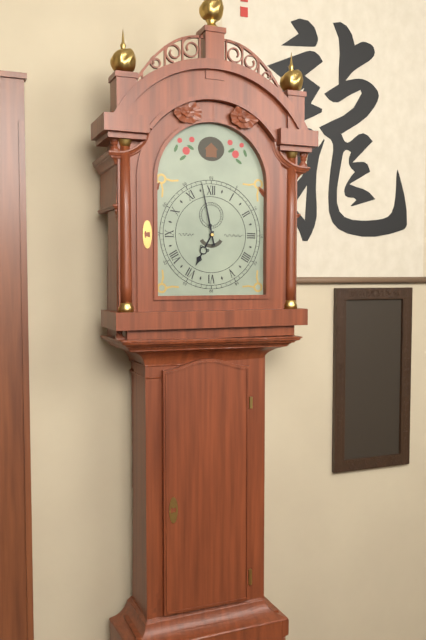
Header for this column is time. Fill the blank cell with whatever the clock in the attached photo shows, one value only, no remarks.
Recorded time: 6:58
